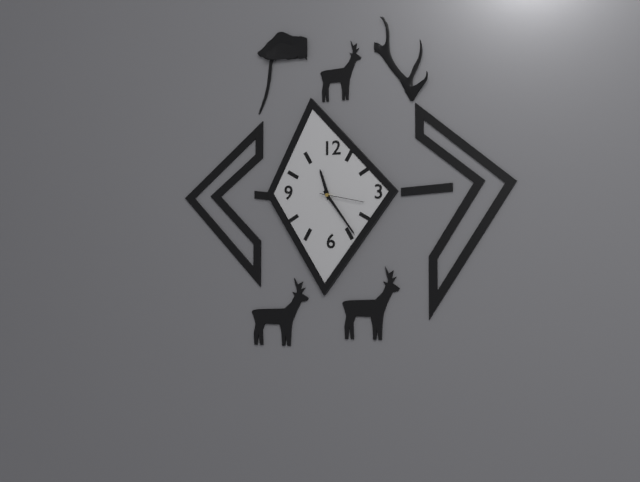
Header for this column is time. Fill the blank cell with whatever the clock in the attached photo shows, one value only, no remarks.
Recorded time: 11:24
